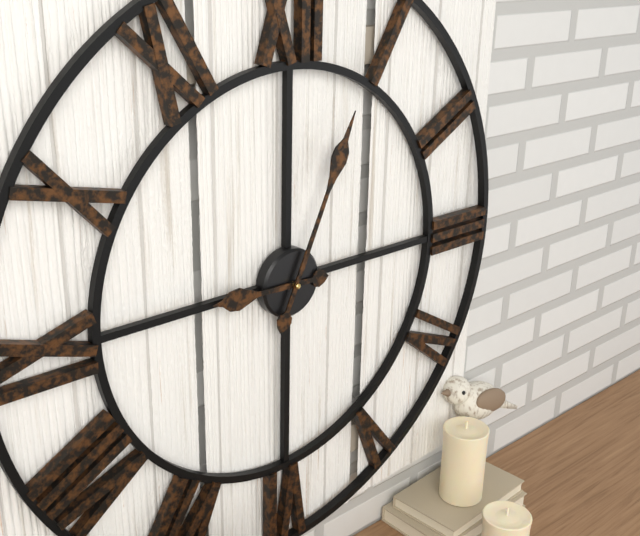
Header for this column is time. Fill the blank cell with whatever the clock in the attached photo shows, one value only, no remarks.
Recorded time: 9:04
